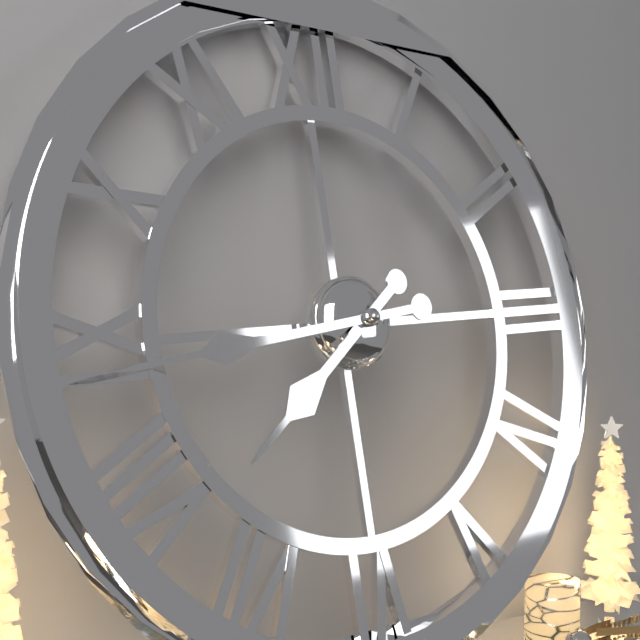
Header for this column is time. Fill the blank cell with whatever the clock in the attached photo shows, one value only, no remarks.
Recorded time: 7:44
